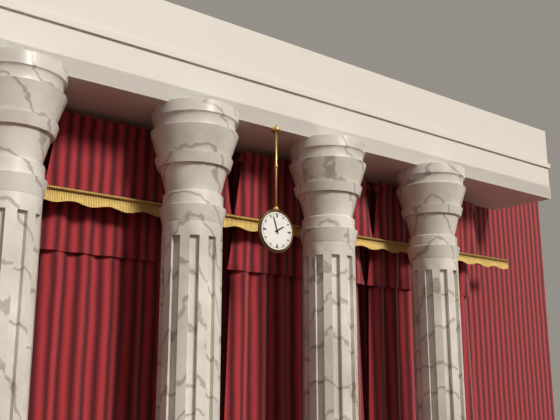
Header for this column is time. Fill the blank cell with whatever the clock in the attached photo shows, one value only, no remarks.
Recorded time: 1:57
